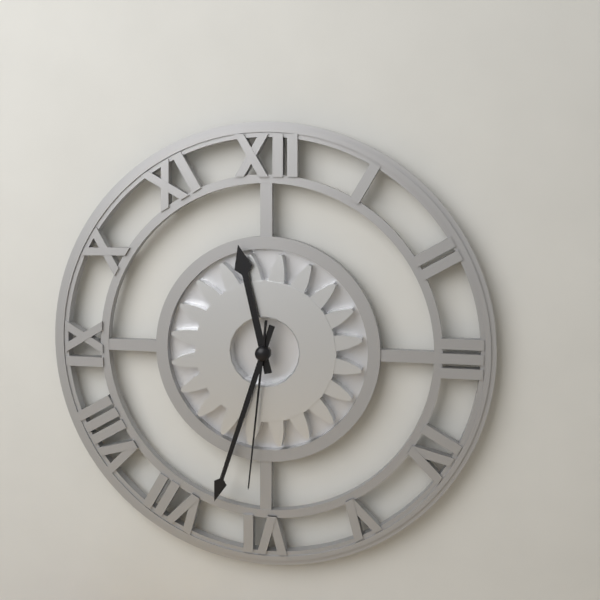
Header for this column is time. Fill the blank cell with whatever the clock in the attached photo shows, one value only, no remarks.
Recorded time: 11:33:31
